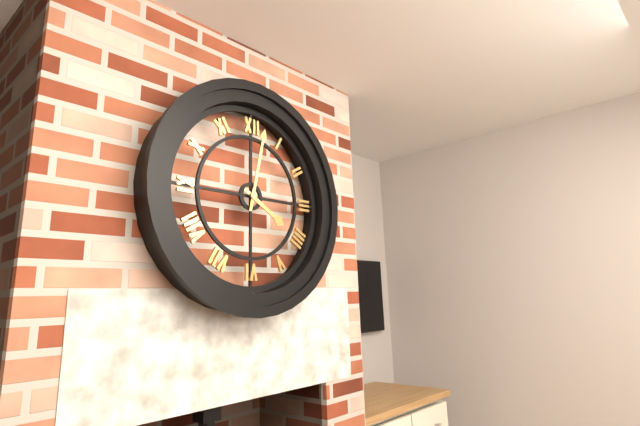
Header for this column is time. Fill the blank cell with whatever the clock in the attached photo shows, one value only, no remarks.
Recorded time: 4:02
